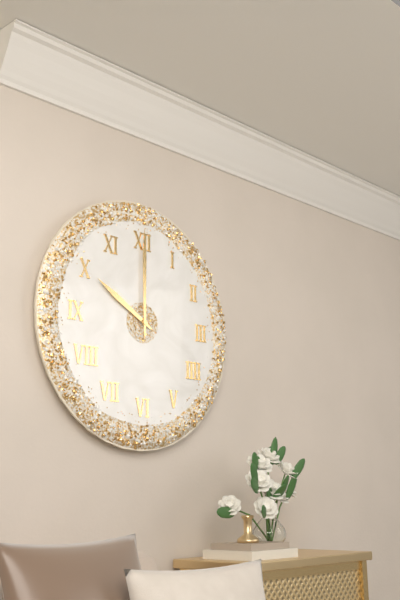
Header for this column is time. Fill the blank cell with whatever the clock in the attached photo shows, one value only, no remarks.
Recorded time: 10:00
